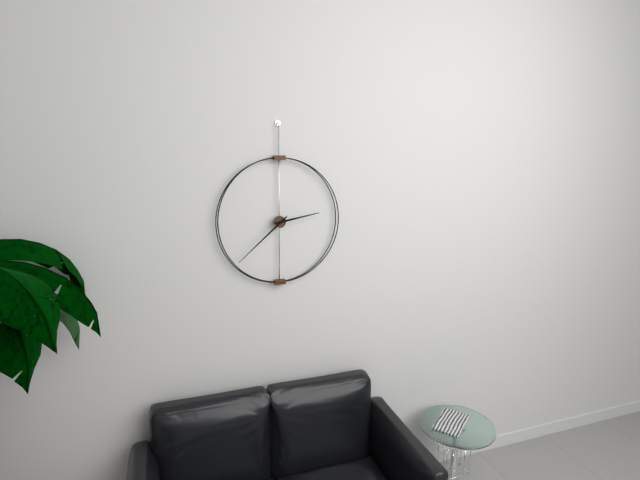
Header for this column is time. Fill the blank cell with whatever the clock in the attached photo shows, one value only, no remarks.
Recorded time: 2:38
